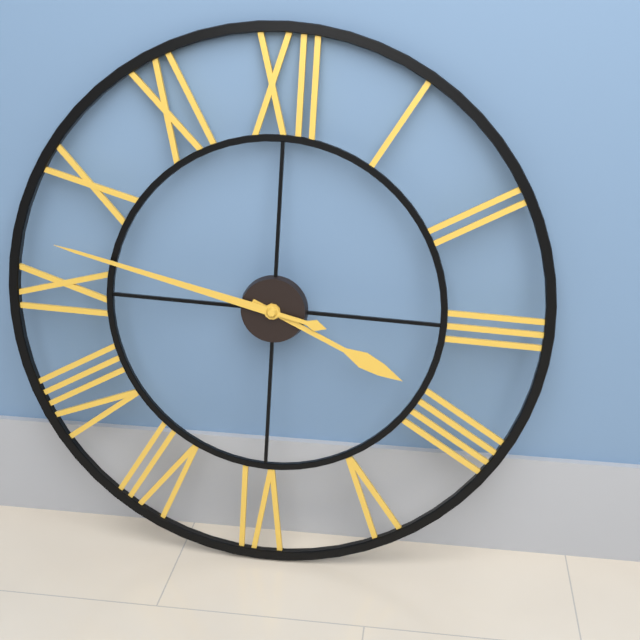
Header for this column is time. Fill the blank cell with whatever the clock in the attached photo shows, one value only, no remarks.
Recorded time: 3:47
